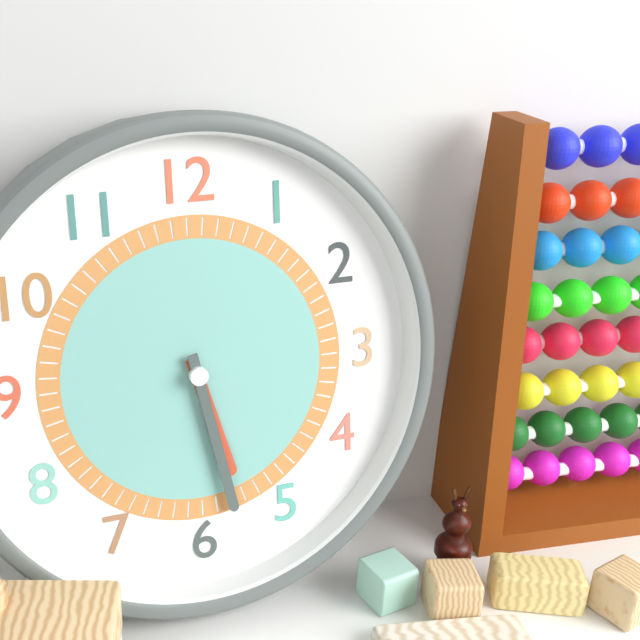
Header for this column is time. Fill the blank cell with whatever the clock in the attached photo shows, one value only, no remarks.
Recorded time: 5:28
